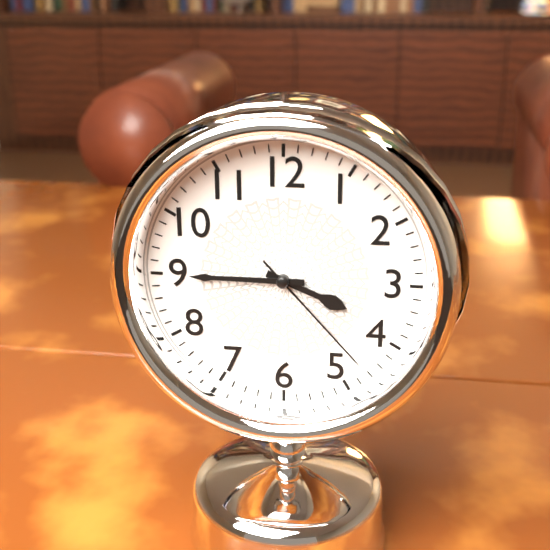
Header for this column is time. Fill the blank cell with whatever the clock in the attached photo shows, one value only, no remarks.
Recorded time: 3:45:23
